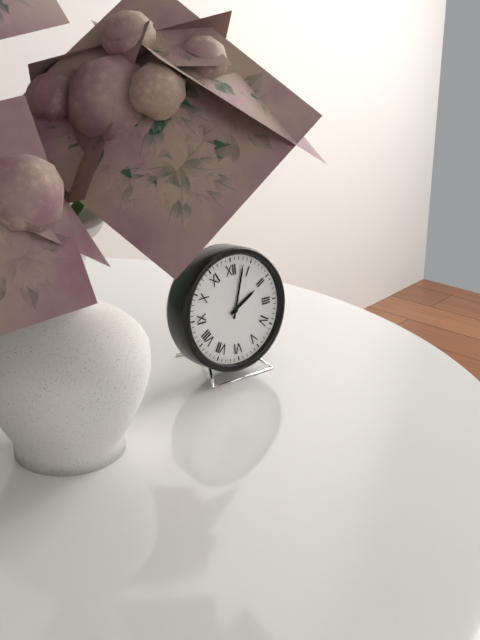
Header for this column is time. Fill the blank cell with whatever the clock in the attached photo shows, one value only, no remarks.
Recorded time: 2:03
